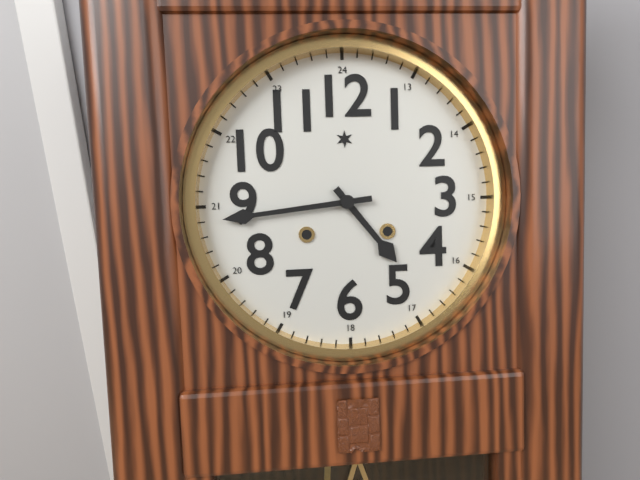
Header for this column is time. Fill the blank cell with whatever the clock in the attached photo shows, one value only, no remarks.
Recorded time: 4:44
